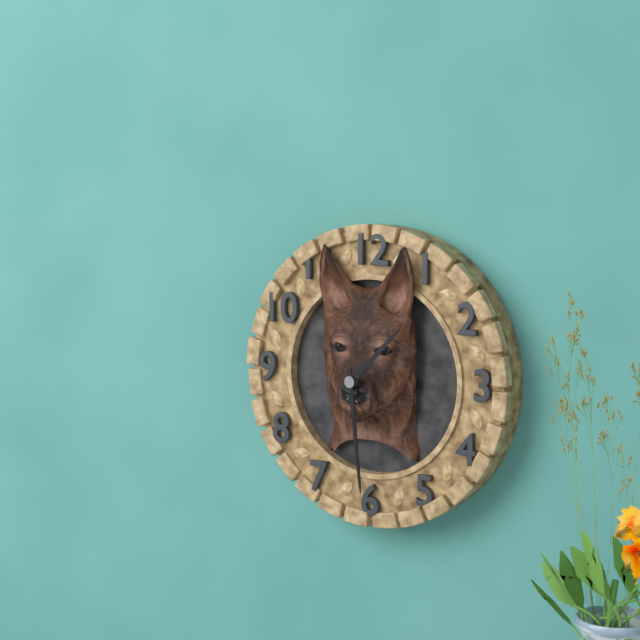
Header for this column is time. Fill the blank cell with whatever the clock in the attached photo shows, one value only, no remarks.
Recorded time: 1:29
